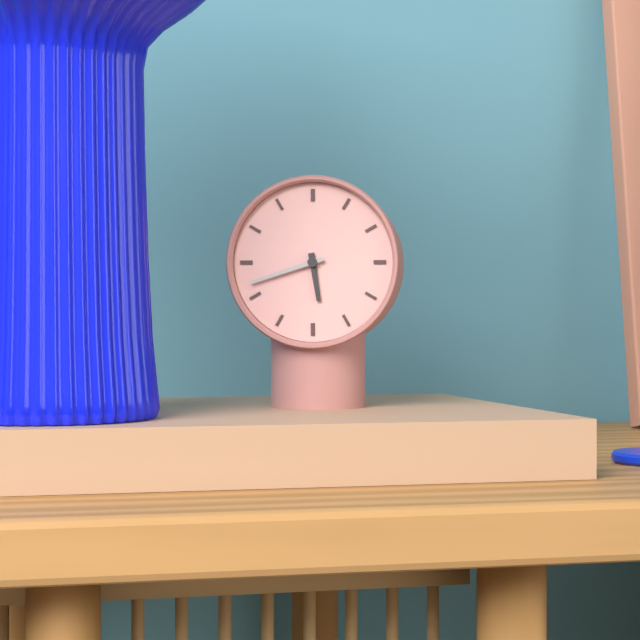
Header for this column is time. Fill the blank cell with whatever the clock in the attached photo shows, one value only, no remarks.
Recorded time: 5:42
